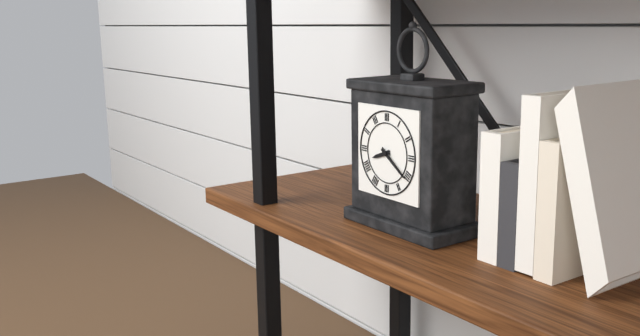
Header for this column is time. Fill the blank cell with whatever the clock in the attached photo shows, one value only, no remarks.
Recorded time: 8:21
